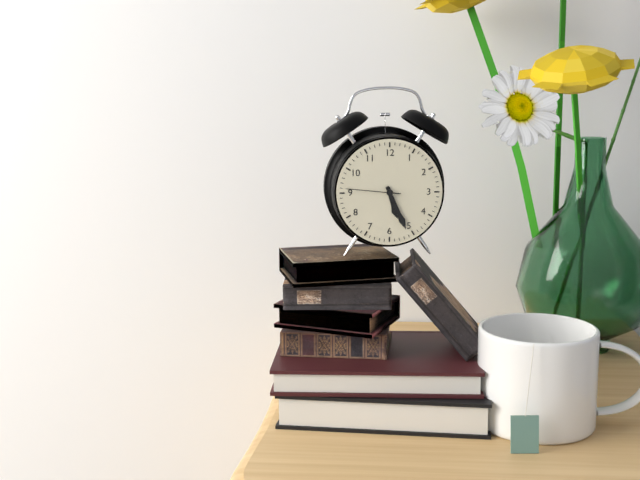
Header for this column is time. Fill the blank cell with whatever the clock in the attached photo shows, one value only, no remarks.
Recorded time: 5:26:46
